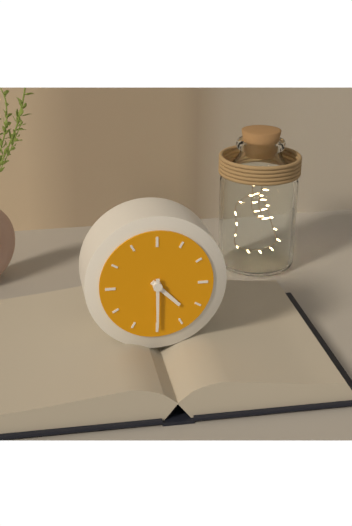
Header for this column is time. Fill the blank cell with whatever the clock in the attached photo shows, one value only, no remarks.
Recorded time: 4:30
